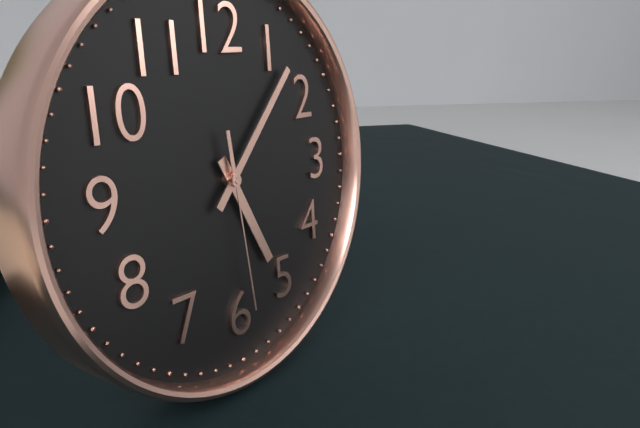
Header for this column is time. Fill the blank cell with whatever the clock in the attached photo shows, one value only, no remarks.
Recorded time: 5:07:29
